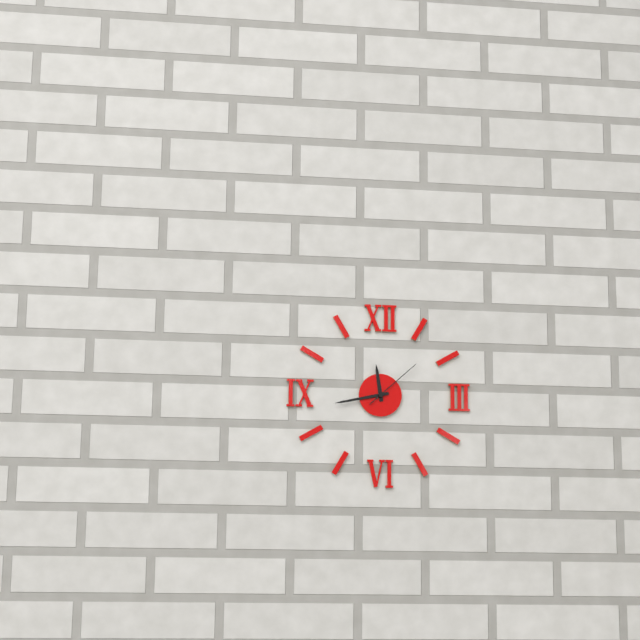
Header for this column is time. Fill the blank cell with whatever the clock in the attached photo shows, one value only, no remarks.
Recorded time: 11:43:08
